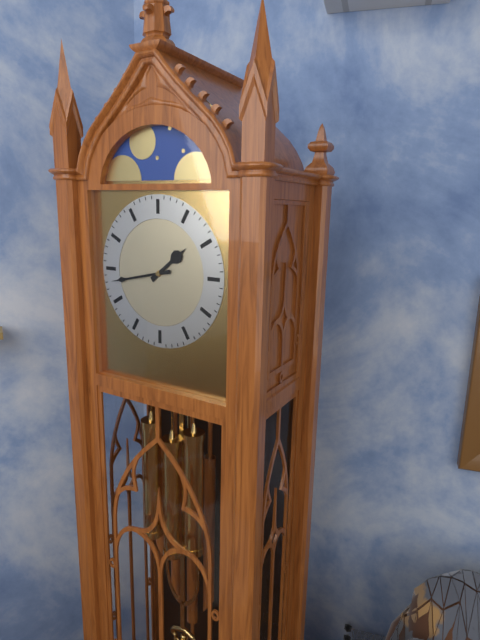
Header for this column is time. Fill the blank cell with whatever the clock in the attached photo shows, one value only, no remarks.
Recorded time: 1:43
